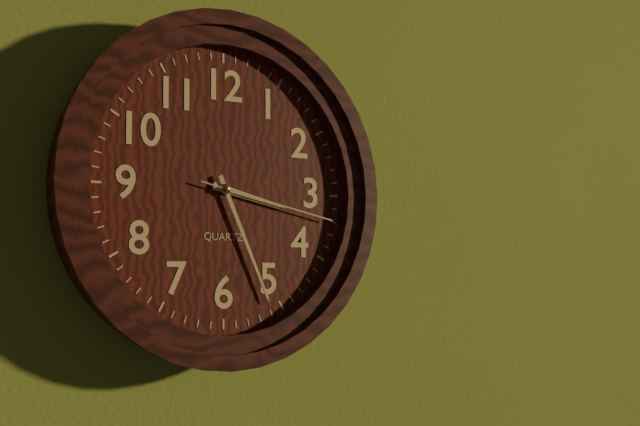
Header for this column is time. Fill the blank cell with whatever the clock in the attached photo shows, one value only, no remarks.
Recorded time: 3:26:17
